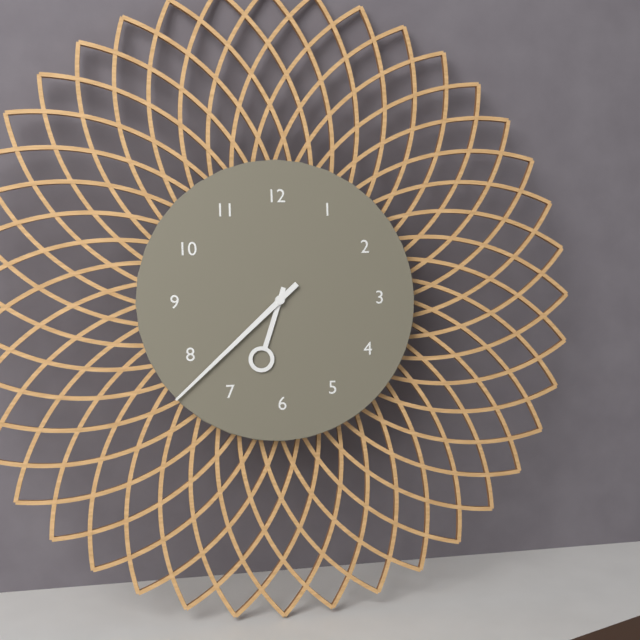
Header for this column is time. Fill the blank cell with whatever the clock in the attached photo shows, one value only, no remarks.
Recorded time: 6:38
